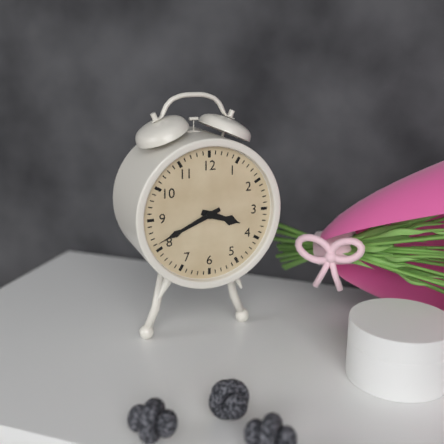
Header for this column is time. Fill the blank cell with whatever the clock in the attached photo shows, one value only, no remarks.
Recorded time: 3:41
